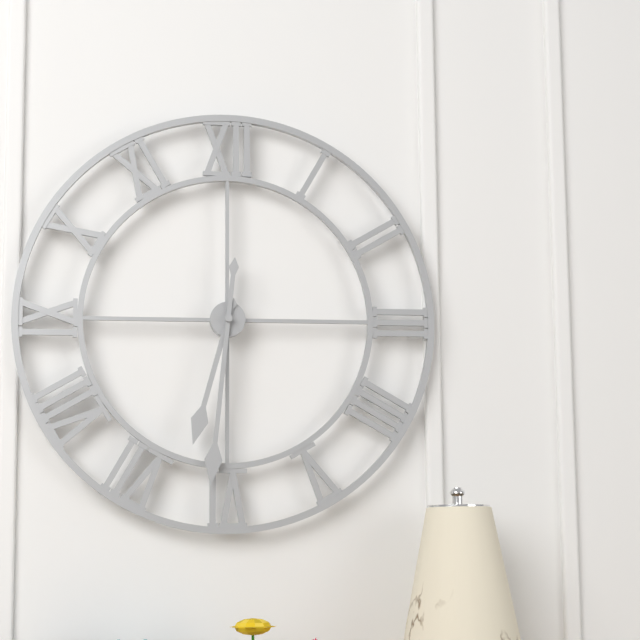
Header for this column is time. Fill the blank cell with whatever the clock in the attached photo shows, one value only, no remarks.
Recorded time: 6:31
